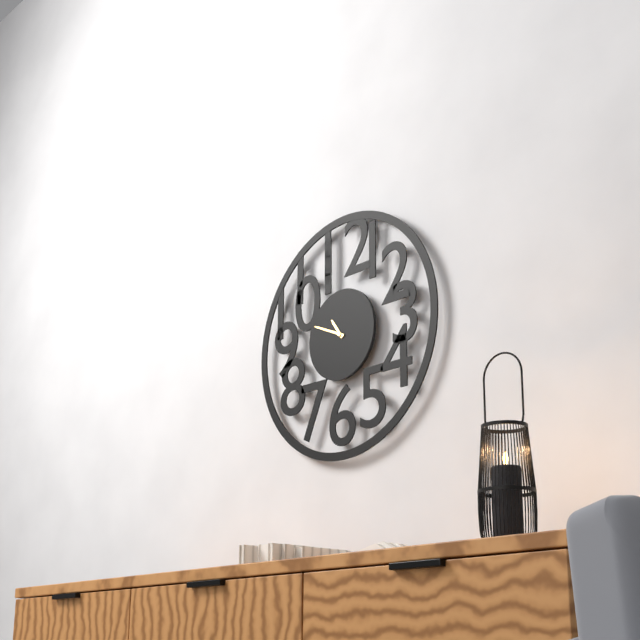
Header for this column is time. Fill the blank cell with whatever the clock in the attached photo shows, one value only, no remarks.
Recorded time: 10:49
